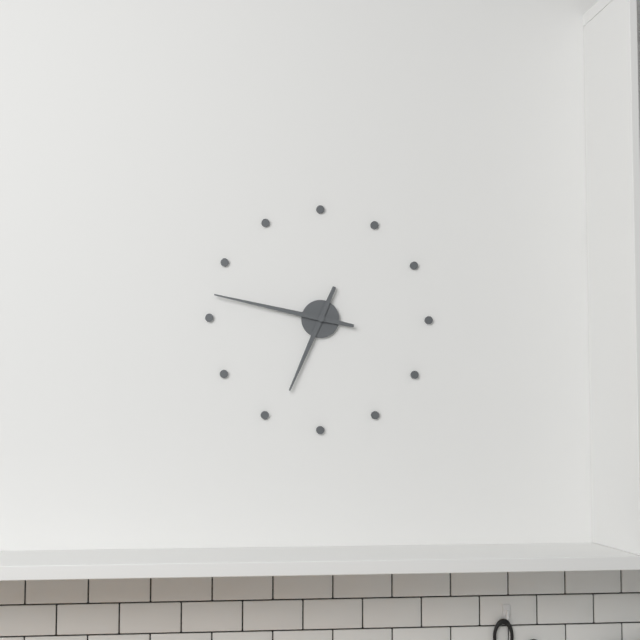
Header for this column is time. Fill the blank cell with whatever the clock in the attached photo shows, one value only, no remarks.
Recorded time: 6:47
